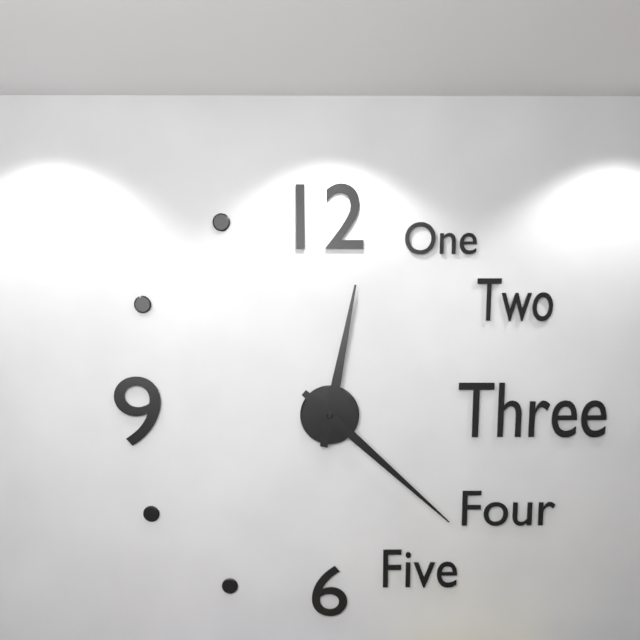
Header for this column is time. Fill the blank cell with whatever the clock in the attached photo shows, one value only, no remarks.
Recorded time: 12:22
